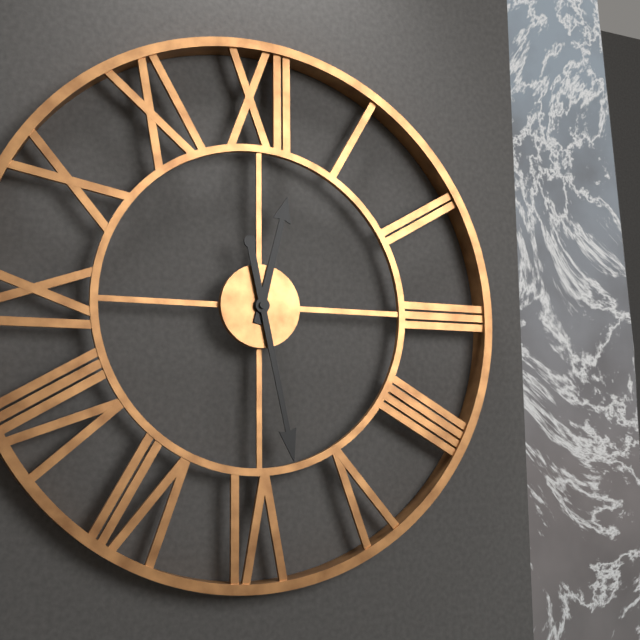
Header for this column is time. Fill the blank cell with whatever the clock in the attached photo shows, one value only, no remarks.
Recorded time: 12:28
